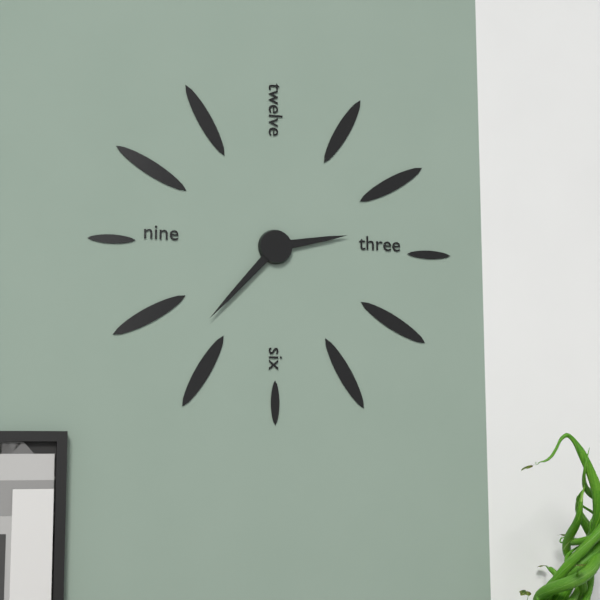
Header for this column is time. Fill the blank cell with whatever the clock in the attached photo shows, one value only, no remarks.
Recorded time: 2:37
